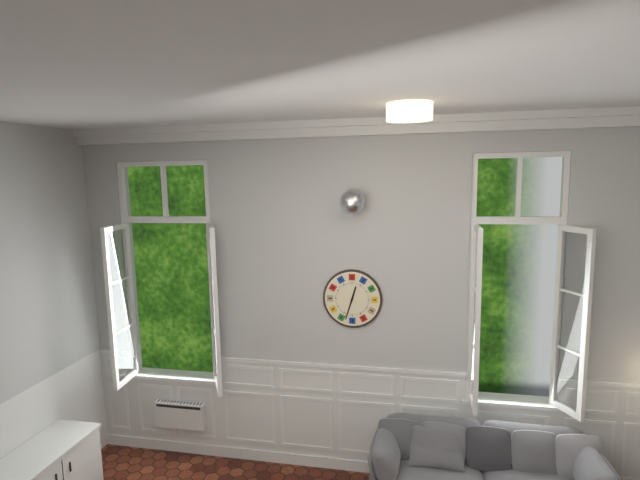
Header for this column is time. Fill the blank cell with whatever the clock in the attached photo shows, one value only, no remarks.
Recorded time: 12:33
